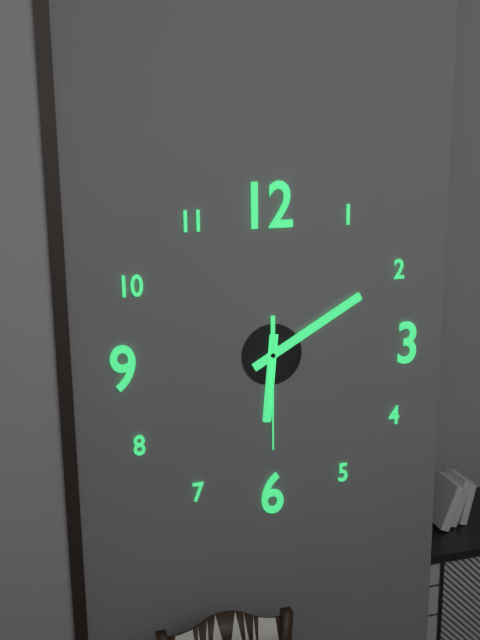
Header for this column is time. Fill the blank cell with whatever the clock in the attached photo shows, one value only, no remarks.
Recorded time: 6:10:30
